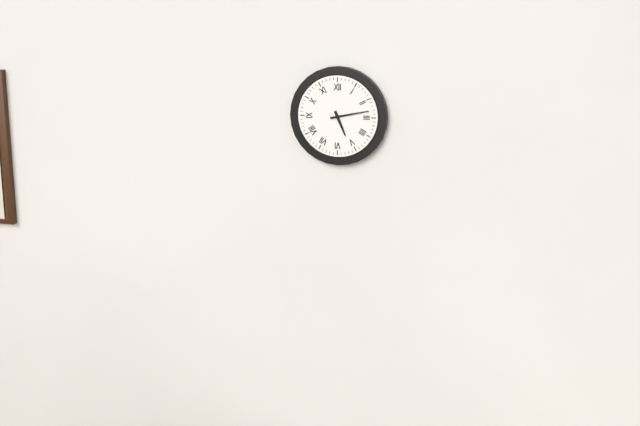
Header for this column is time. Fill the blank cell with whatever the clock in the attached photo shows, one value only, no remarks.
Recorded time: 5:13
